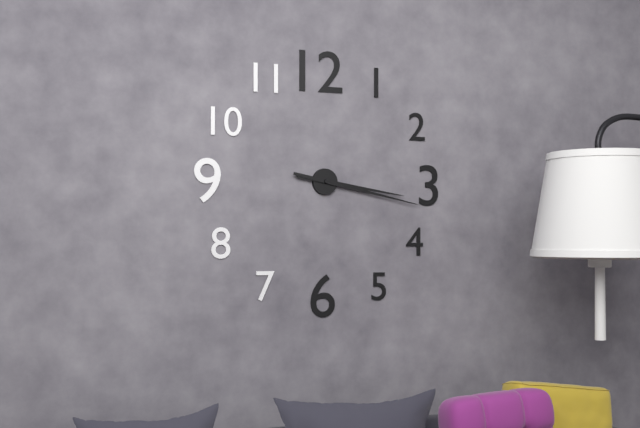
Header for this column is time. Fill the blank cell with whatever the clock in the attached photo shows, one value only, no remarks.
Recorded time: 3:17
